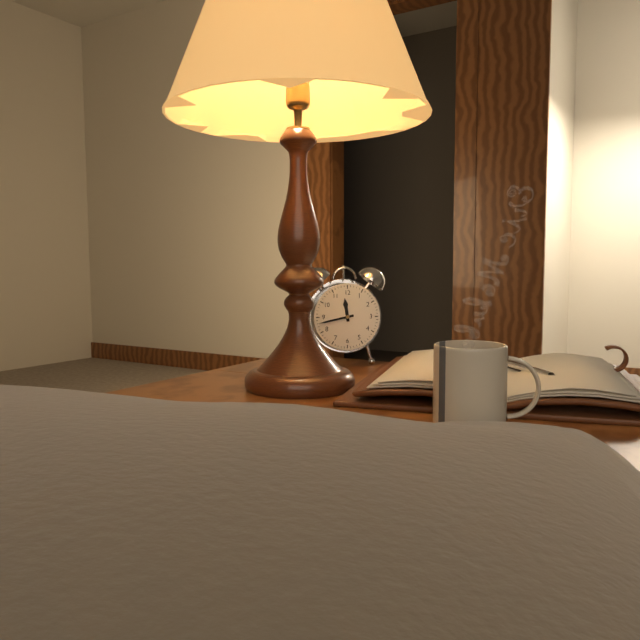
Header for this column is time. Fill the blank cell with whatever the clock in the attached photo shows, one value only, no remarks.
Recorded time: 11:43
